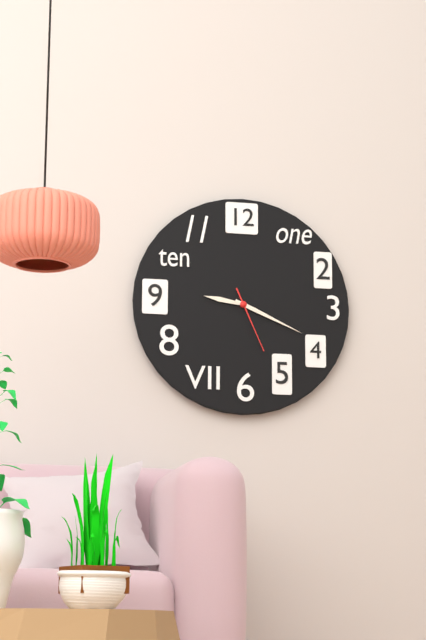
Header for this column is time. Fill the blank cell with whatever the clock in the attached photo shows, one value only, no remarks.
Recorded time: 9:19:26
